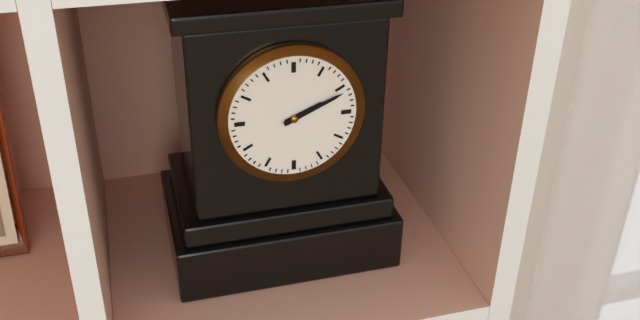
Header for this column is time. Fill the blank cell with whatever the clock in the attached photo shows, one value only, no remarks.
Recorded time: 2:11
